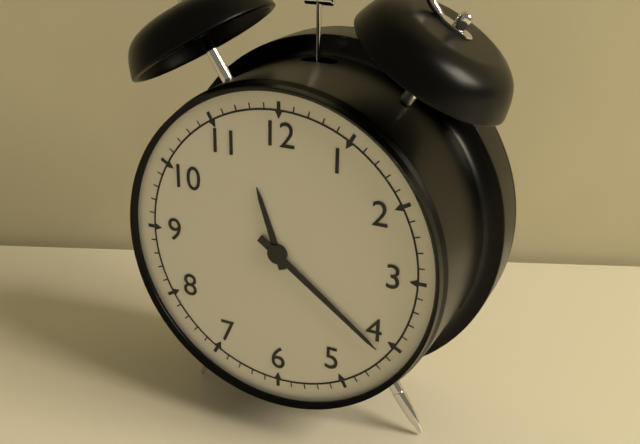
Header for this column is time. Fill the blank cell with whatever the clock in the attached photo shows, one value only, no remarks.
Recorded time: 11:21
